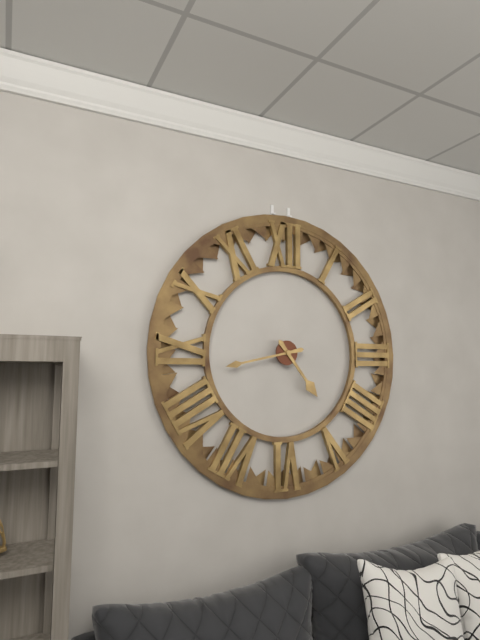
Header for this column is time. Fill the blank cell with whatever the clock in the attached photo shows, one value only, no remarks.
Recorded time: 4:43
